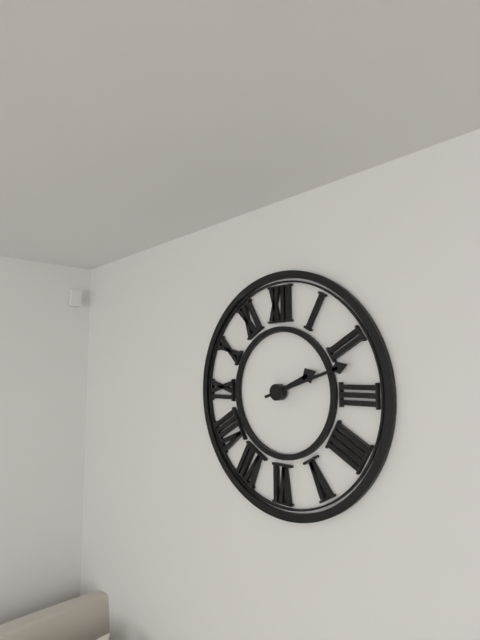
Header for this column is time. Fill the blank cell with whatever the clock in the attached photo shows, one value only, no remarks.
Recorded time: 2:12
